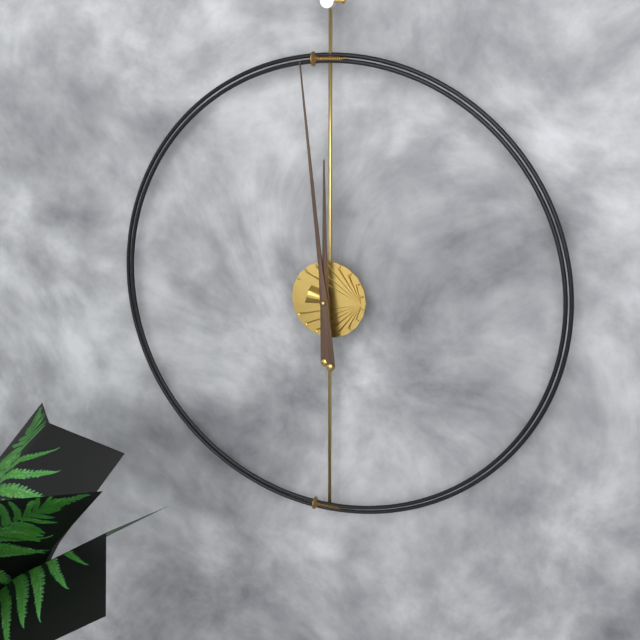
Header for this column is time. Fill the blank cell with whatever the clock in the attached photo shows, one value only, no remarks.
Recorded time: 11:59
